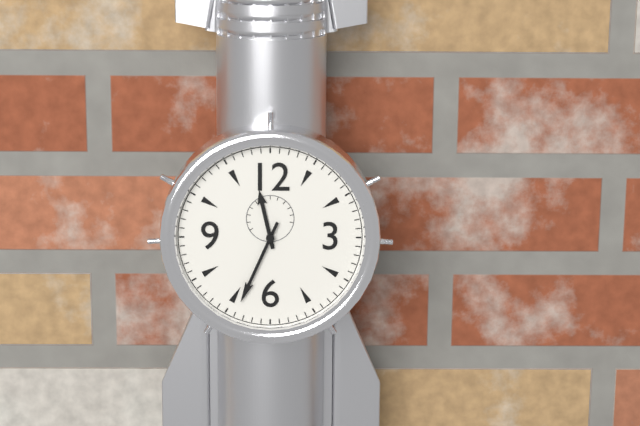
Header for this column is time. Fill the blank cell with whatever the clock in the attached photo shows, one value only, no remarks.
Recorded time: 11:34
